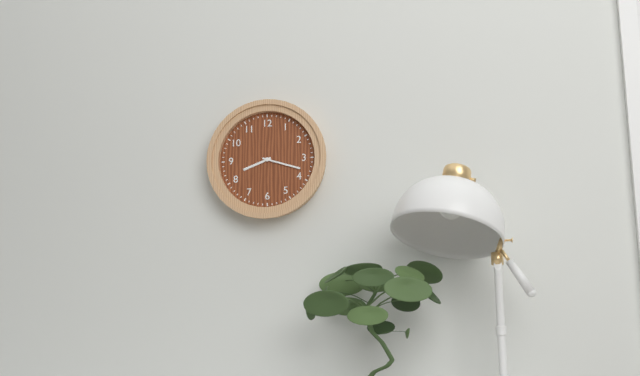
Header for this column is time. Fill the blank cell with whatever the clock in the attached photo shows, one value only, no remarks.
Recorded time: 8:18
